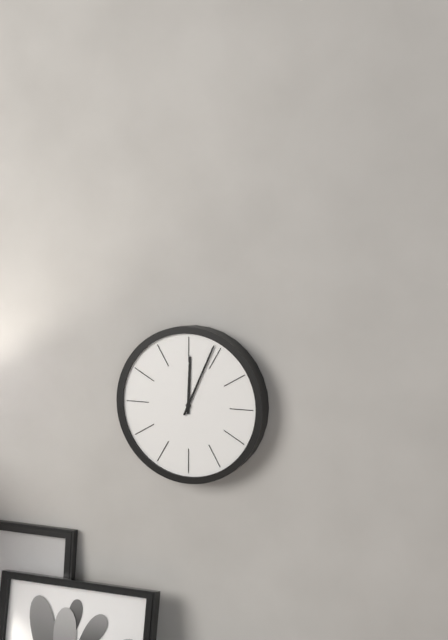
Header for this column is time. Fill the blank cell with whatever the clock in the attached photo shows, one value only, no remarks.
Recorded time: 12:04
